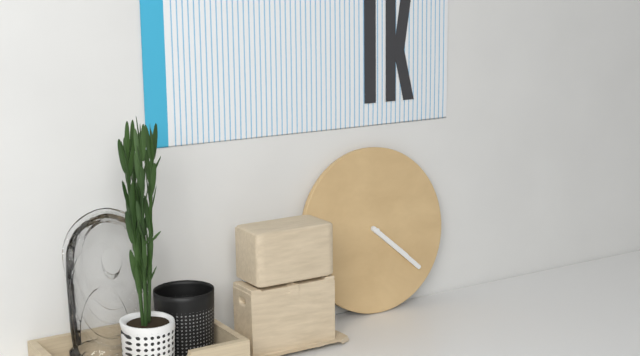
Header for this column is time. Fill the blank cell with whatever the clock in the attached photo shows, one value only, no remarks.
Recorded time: 4:22
